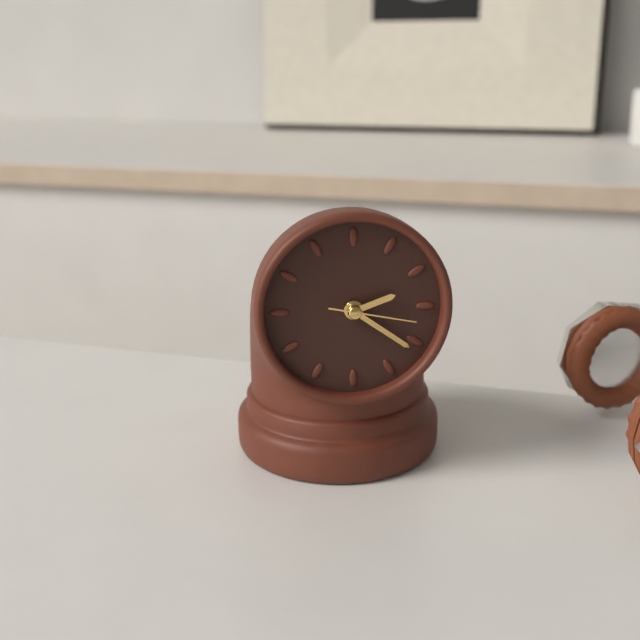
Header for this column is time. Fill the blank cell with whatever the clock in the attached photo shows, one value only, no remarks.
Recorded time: 2:21:17
